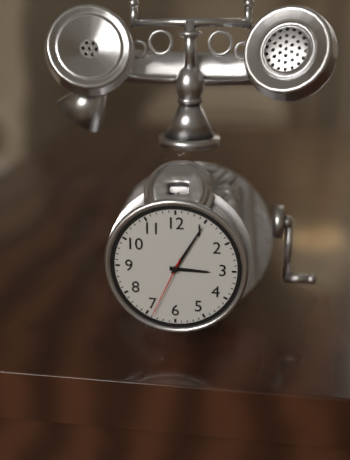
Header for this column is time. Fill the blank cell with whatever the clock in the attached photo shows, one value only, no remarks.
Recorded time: 3:05:34
